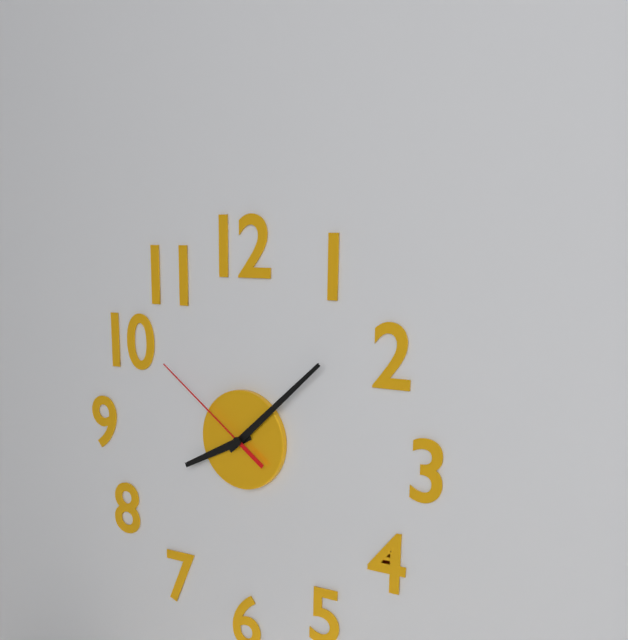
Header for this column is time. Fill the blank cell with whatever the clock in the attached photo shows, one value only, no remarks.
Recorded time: 8:08:51
